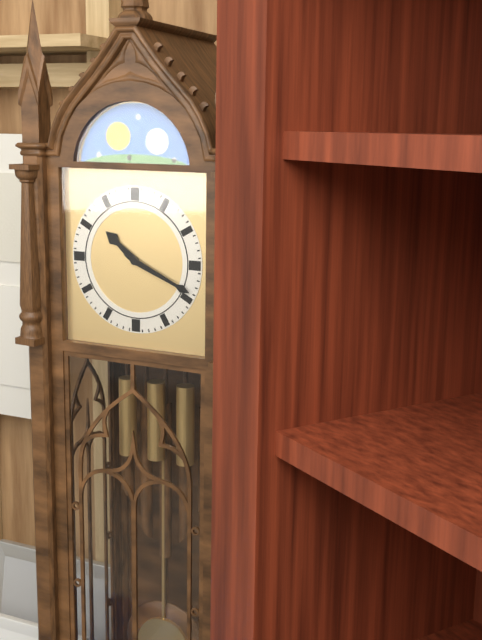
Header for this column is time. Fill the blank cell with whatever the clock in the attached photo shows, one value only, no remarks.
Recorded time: 10:19
